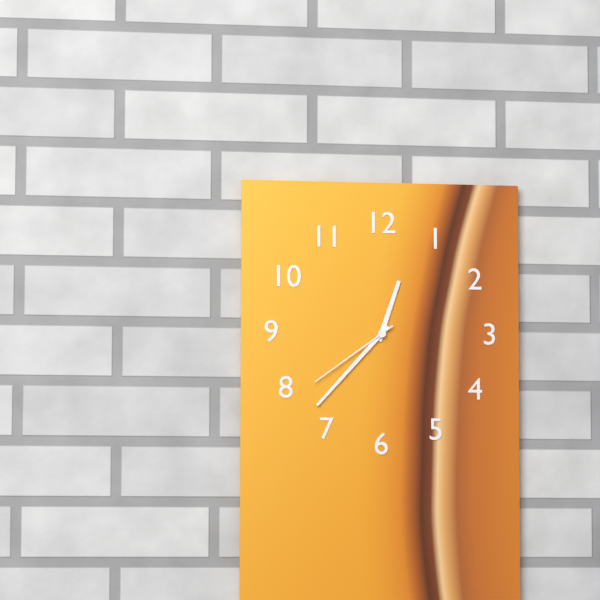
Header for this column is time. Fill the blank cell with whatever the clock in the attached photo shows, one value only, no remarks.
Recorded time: 12:37:39
